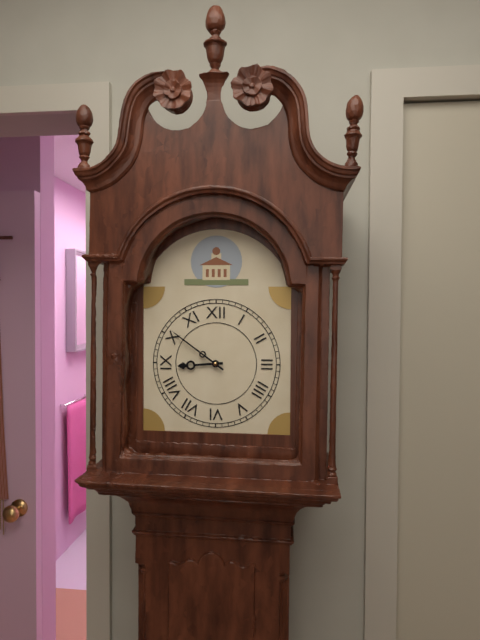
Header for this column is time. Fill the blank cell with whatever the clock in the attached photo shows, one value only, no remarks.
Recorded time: 8:51
